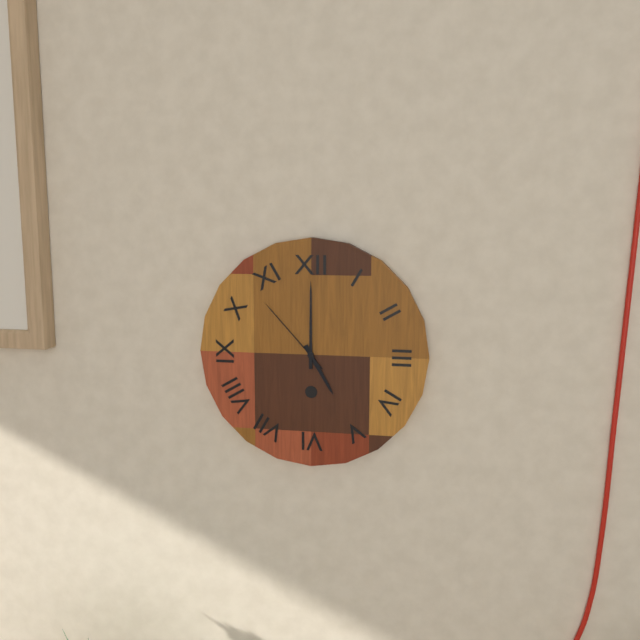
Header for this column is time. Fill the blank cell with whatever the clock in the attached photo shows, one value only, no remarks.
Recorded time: 5:00:53
